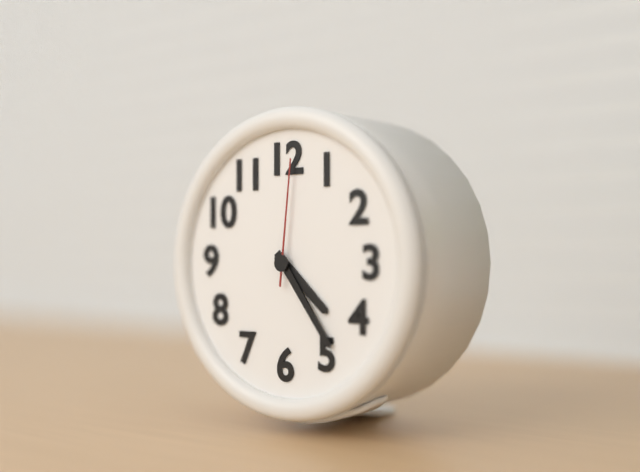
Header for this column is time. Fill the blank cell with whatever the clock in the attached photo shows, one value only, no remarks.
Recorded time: 4:24:01
